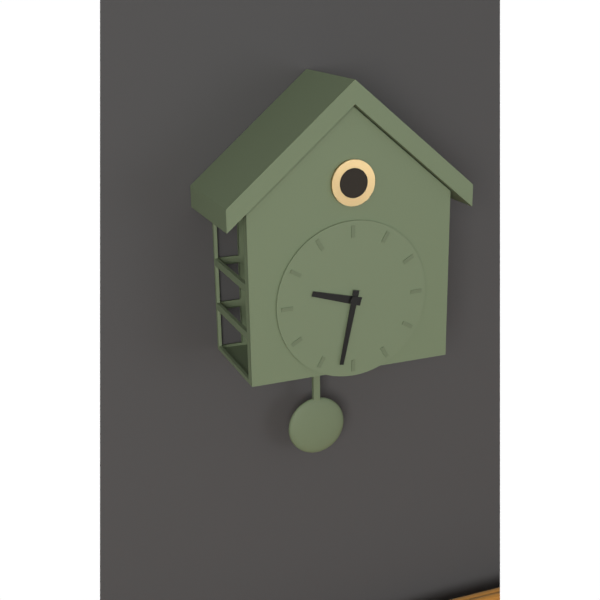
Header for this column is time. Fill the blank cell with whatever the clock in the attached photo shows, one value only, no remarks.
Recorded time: 9:32
